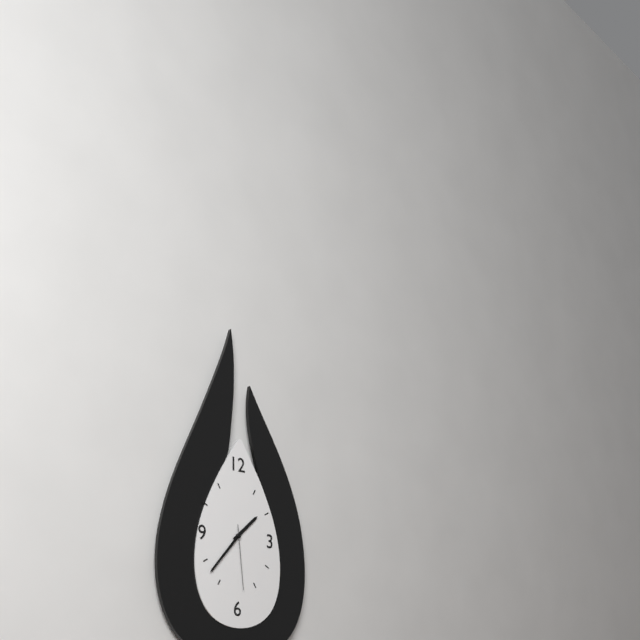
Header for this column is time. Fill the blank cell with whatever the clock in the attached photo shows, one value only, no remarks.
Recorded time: 1:37:29
